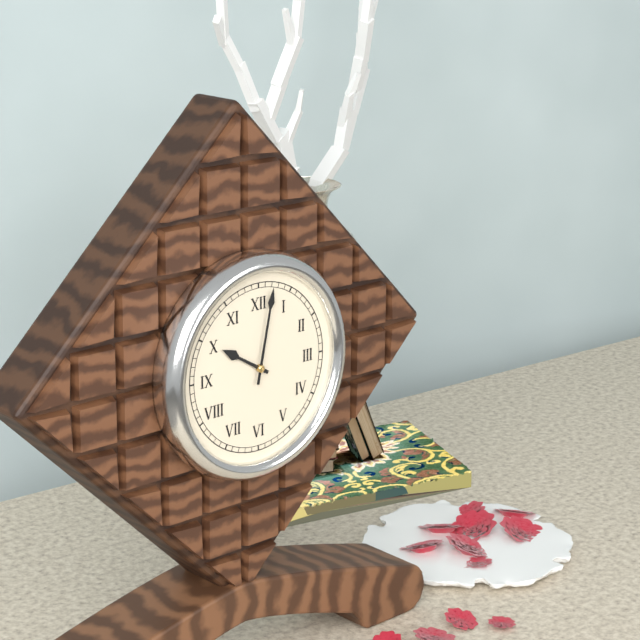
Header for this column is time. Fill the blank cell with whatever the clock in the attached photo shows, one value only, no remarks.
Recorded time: 10:02
